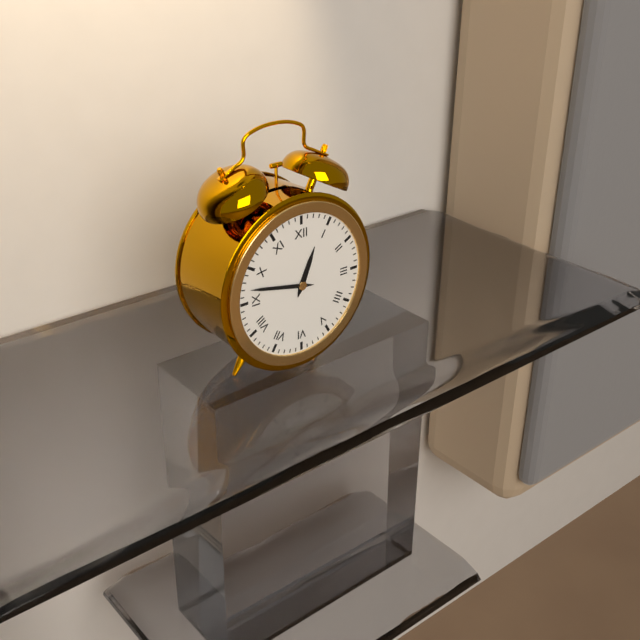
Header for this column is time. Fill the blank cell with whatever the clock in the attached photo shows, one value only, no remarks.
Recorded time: 12:47
